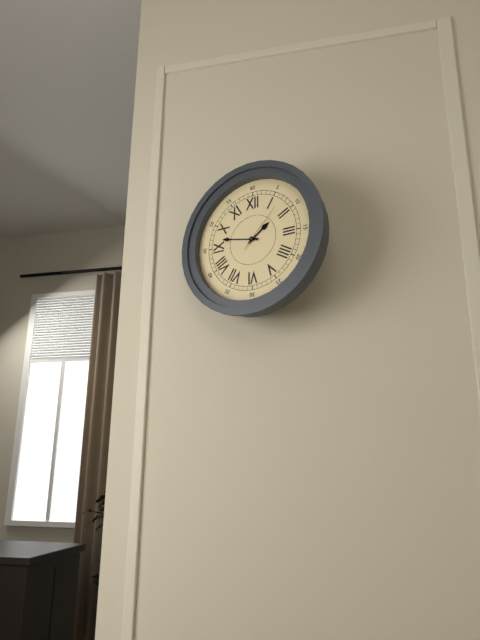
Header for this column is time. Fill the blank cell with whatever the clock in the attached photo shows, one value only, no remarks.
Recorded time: 1:47:07
